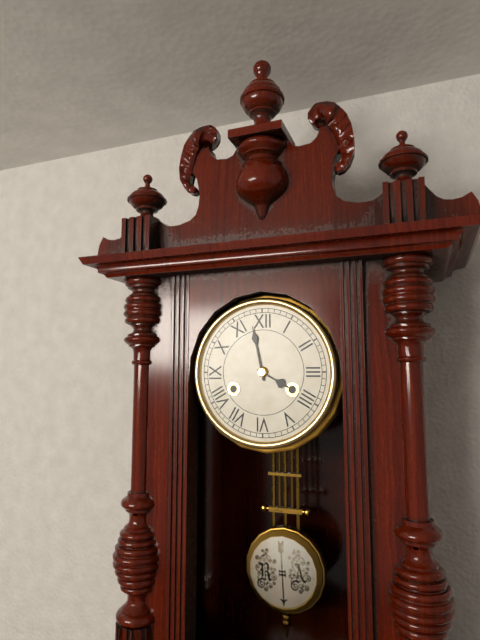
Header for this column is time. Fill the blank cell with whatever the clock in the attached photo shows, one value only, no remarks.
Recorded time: 3:58
